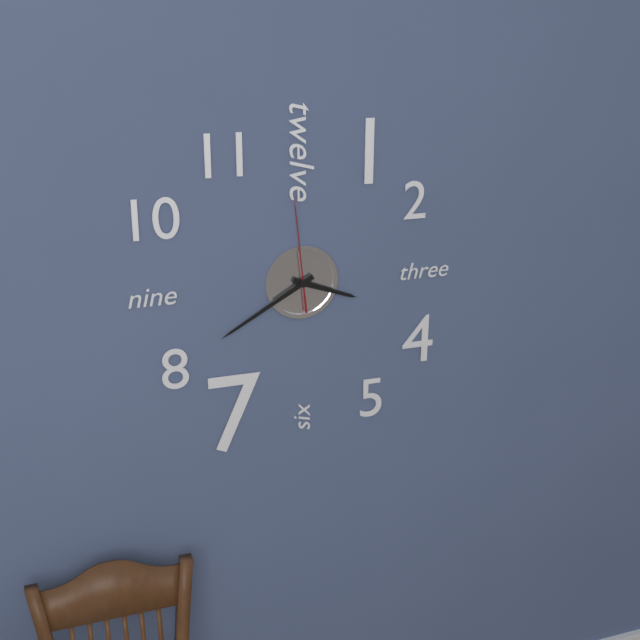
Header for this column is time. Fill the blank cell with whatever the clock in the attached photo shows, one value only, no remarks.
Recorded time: 3:40:59
